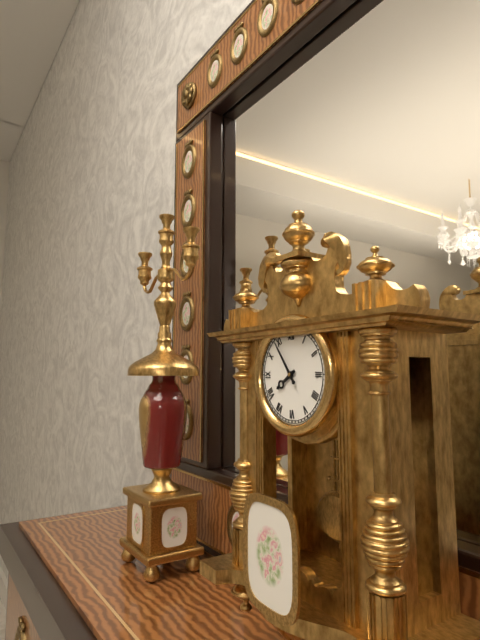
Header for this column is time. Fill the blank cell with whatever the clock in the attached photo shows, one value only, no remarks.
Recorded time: 7:54
